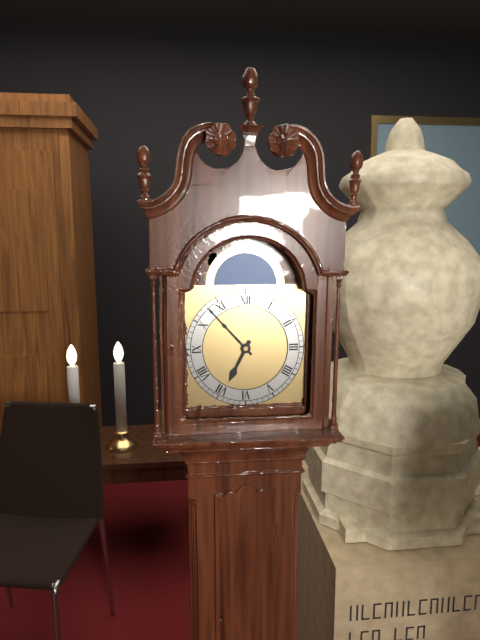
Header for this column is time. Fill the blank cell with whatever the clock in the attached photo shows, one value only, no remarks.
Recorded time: 6:53
